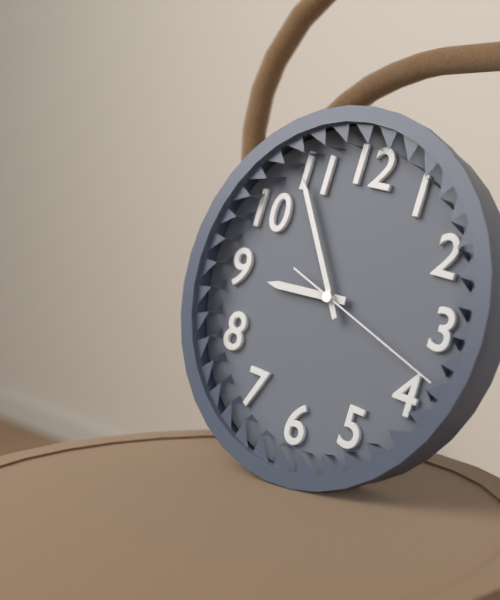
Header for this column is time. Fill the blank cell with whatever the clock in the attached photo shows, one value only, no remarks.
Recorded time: 8:54:18
